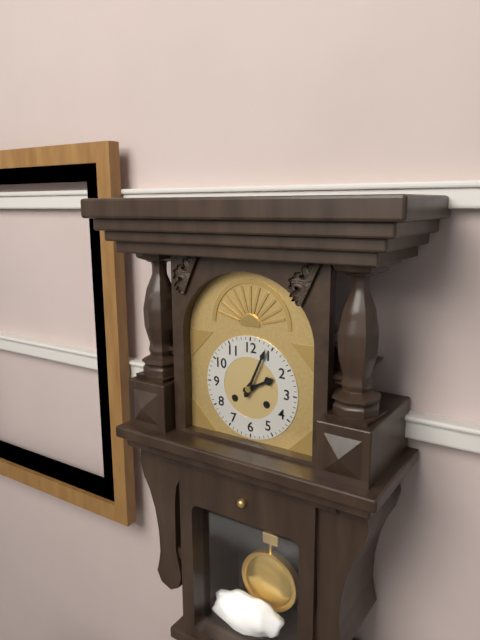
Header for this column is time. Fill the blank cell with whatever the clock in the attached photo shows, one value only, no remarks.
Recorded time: 2:04
